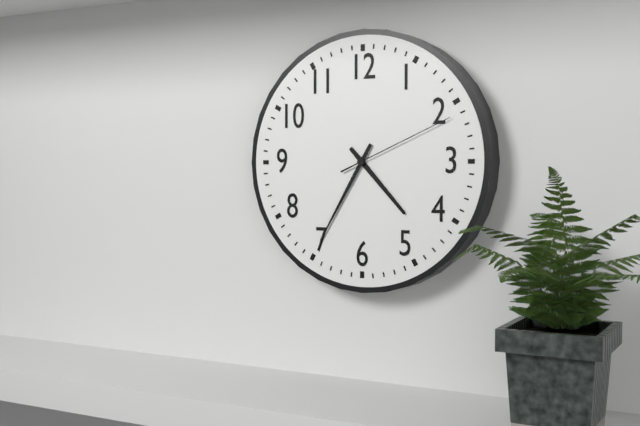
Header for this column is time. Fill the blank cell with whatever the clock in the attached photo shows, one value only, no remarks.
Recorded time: 4:35:11
